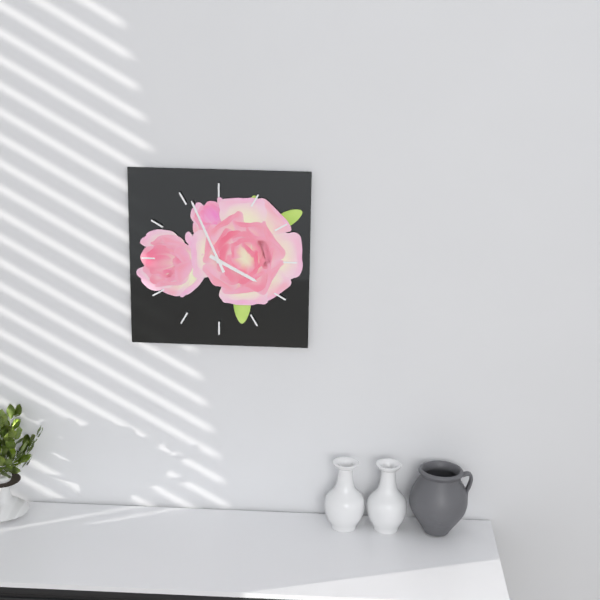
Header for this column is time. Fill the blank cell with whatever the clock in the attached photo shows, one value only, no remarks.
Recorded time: 3:56
